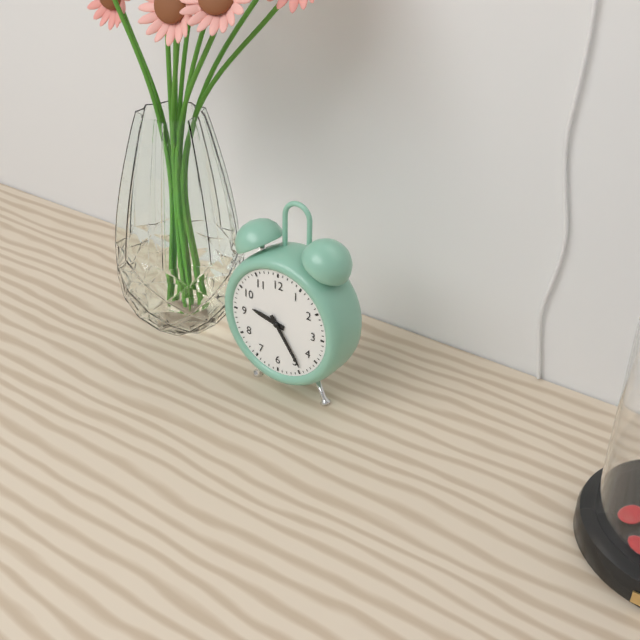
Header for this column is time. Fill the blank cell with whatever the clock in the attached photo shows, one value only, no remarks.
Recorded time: 9:24
